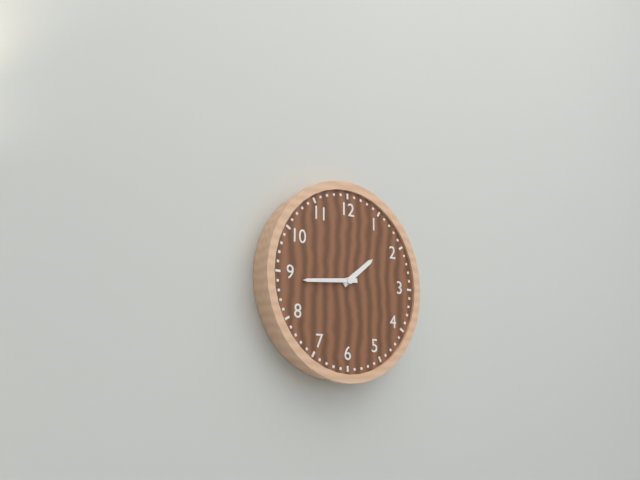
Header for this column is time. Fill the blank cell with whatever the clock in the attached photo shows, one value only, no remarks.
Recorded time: 1:44
